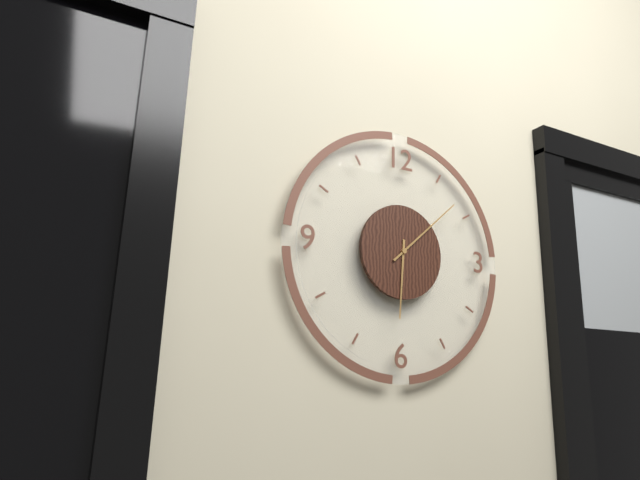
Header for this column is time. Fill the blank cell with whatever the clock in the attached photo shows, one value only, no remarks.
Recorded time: 6:08
